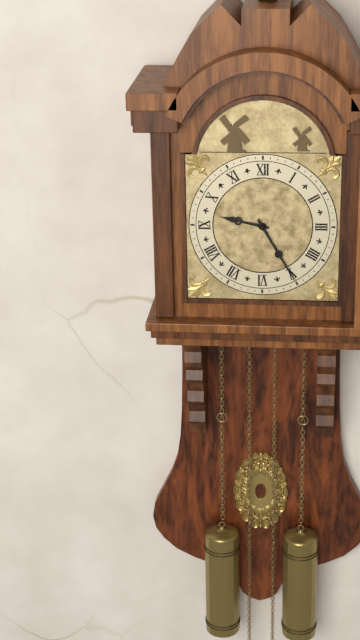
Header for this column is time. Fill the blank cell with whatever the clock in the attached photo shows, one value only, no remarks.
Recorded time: 9:25
